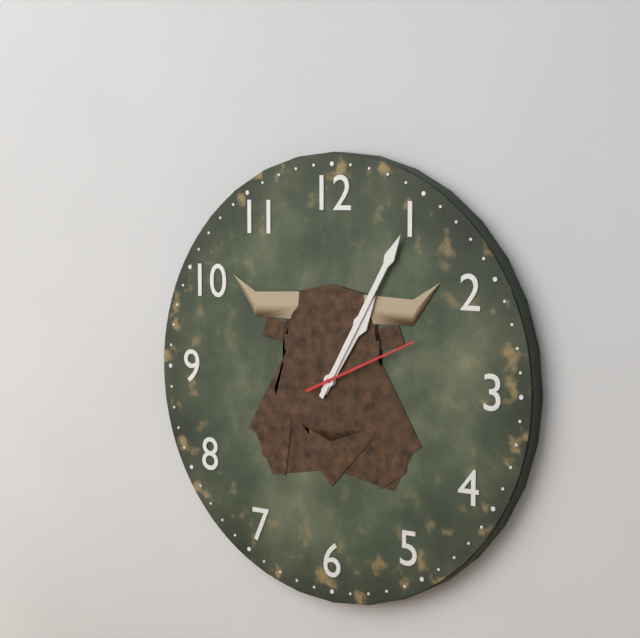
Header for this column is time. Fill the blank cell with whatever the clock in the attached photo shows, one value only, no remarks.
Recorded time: 1:05:11
